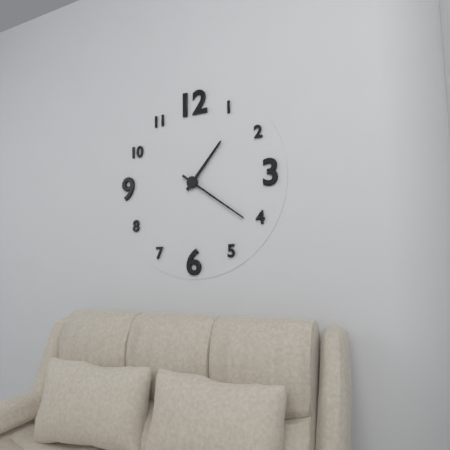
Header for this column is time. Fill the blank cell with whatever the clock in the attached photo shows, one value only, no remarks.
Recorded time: 1:21
